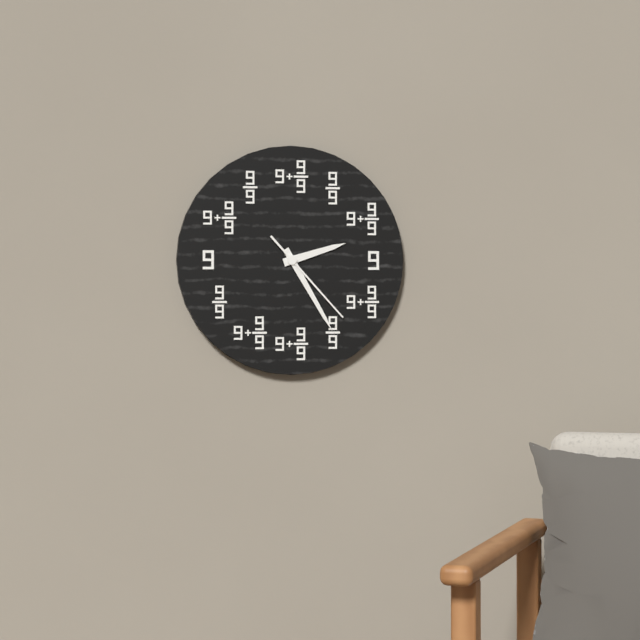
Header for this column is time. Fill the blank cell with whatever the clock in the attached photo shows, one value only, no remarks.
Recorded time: 2:25:23
